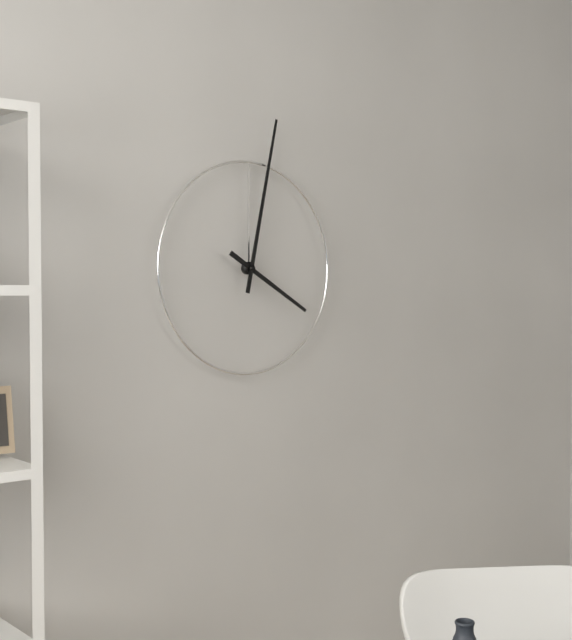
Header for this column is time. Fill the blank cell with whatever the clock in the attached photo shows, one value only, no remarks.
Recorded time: 4:02
